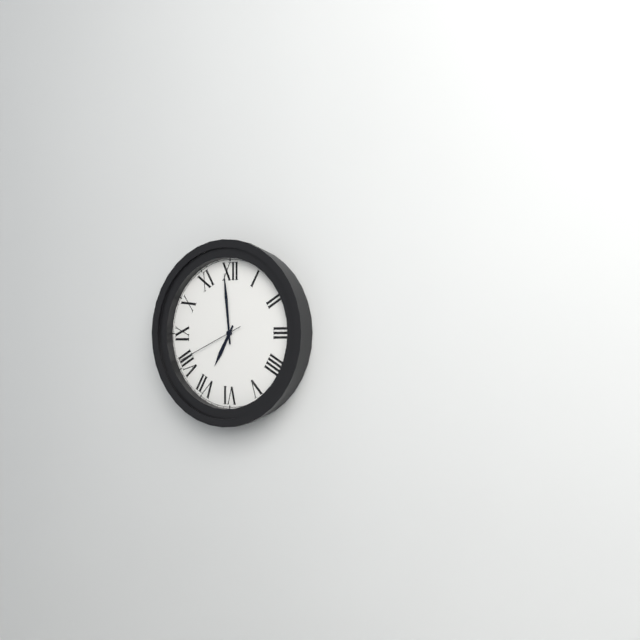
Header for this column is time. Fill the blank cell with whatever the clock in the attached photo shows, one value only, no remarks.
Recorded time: 6:59:41
